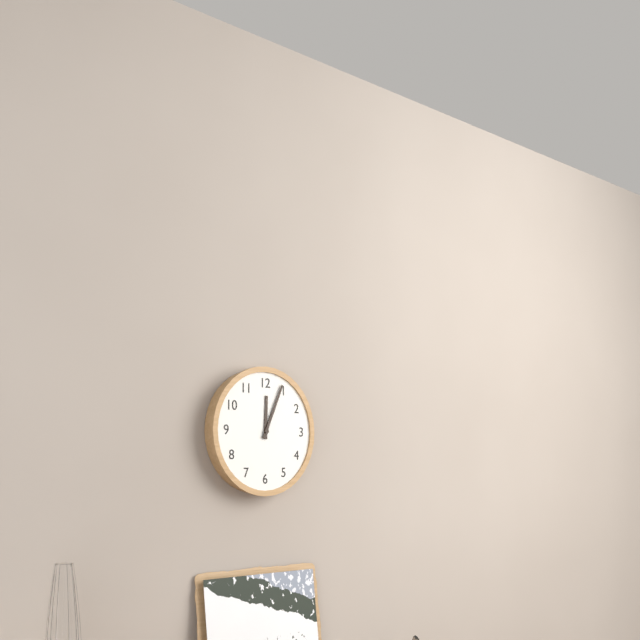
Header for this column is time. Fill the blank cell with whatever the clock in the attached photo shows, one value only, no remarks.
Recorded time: 12:04
